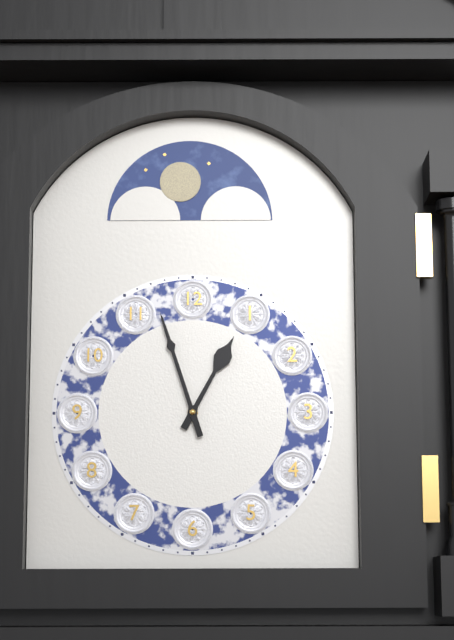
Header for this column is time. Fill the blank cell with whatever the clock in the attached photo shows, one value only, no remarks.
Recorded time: 12:57
